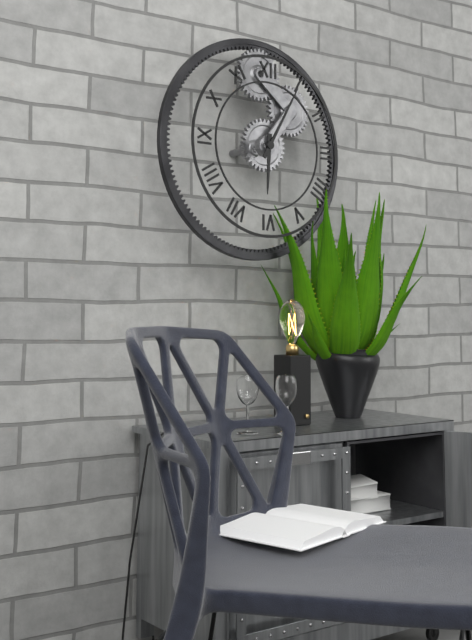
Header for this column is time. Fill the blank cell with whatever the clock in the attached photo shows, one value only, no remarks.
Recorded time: 6:05
